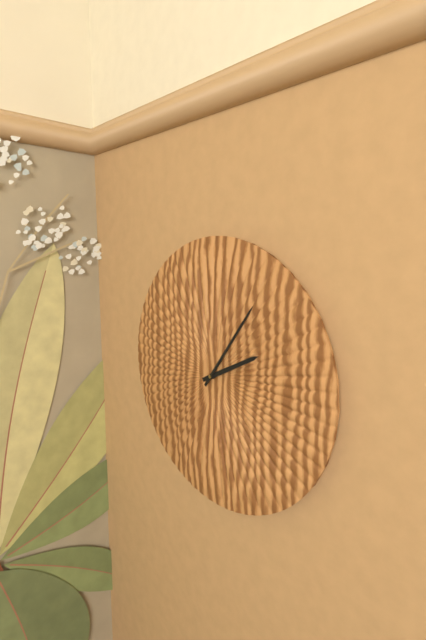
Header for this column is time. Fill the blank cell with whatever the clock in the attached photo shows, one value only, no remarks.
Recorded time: 2:06
